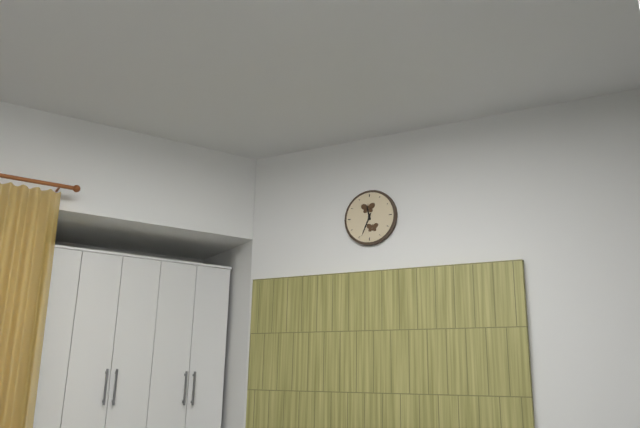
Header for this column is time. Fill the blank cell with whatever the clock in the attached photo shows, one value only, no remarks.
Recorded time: 11:34
